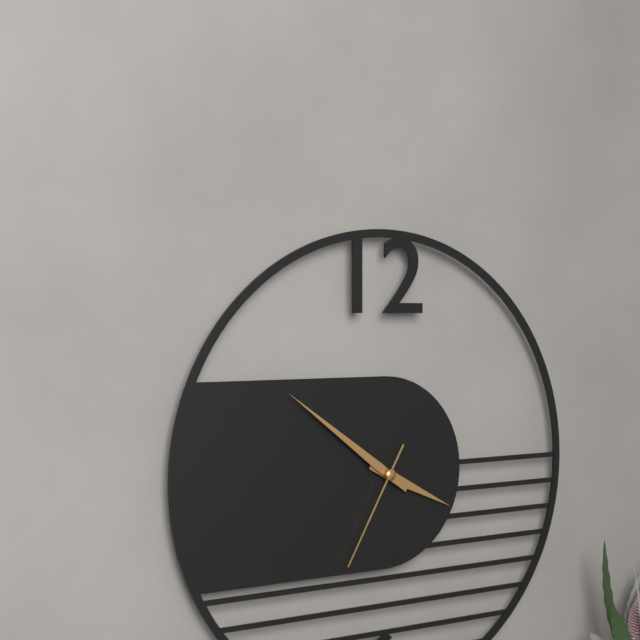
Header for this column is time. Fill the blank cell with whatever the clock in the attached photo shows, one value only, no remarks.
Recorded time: 3:51:35
